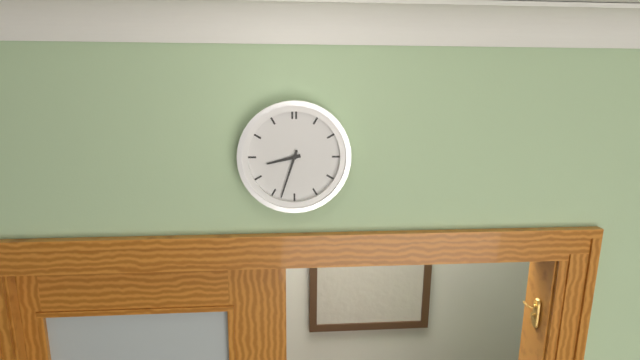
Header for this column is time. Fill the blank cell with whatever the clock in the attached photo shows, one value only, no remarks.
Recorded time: 8:33
